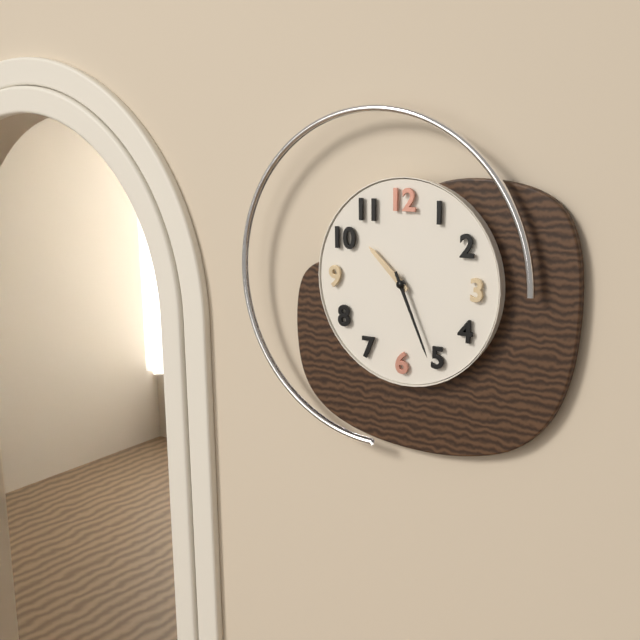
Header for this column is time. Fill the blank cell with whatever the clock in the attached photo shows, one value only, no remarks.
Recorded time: 10:26
